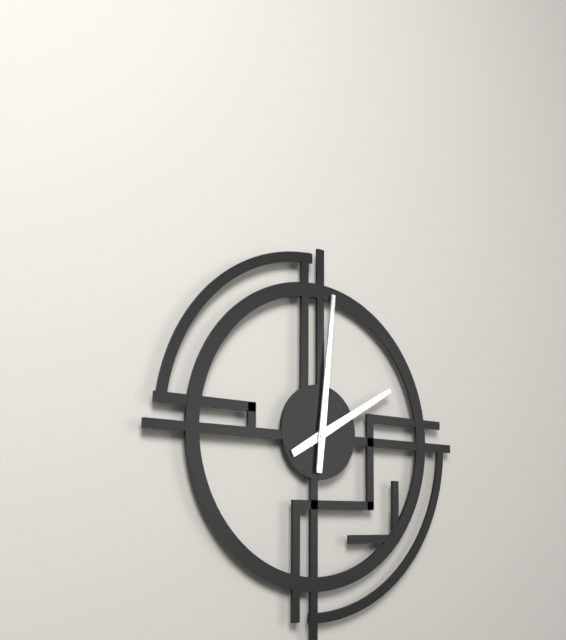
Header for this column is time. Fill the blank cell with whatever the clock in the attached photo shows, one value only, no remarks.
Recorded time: 2:01
